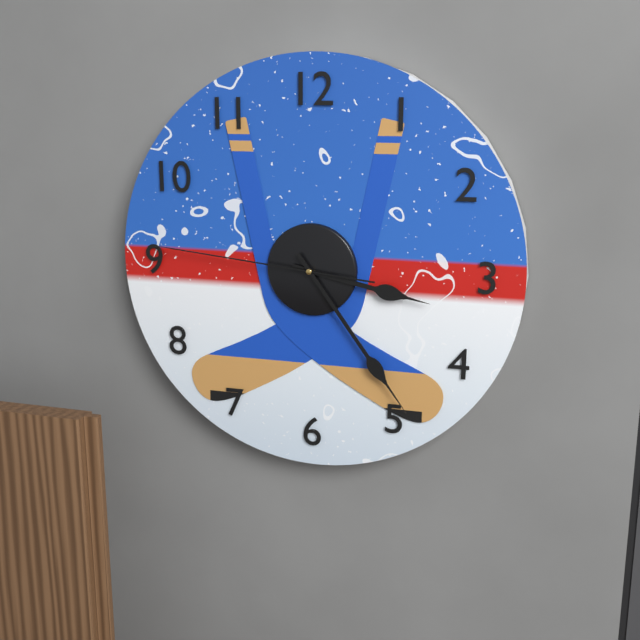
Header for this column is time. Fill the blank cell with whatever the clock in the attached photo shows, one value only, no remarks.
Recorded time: 3:24:46
